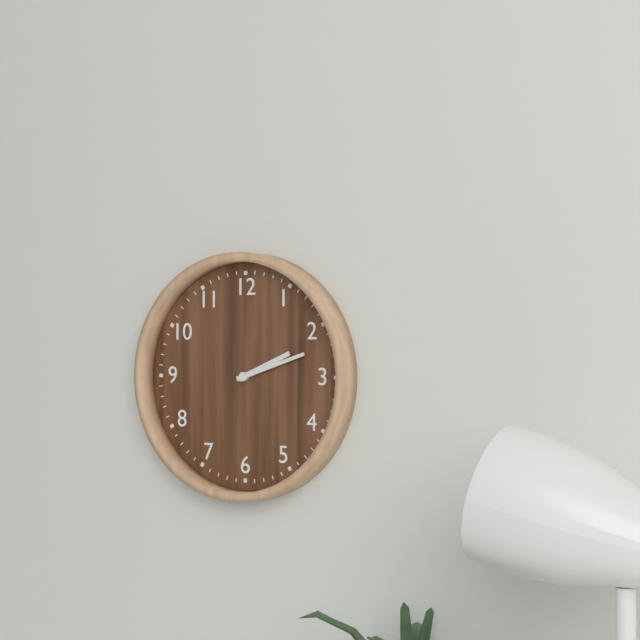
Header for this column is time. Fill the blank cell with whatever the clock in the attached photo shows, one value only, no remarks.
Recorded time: 2:12
